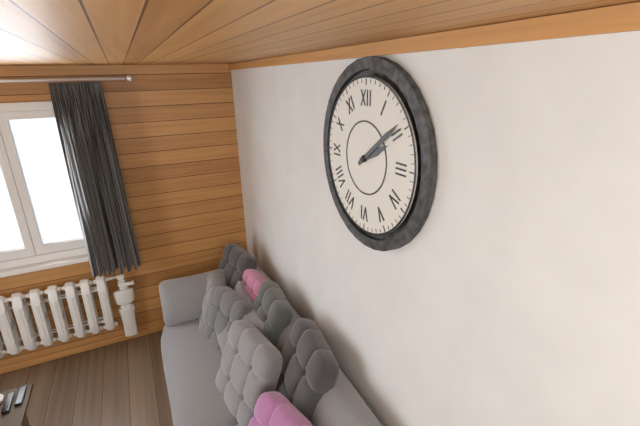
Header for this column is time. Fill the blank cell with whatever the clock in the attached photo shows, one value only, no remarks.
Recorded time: 2:09
